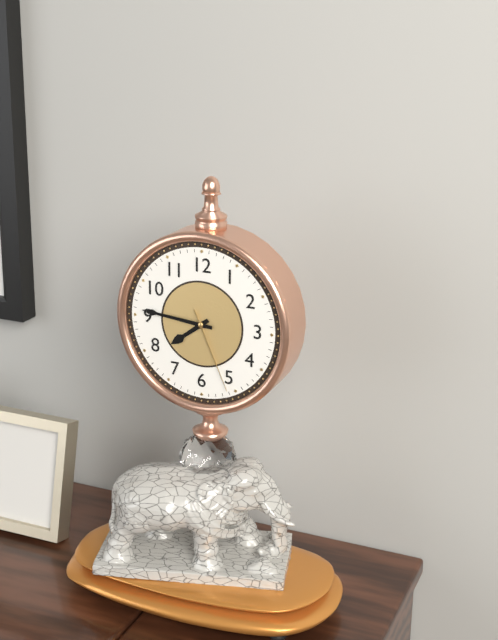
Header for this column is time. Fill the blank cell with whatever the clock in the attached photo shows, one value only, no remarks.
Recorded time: 7:46:26
